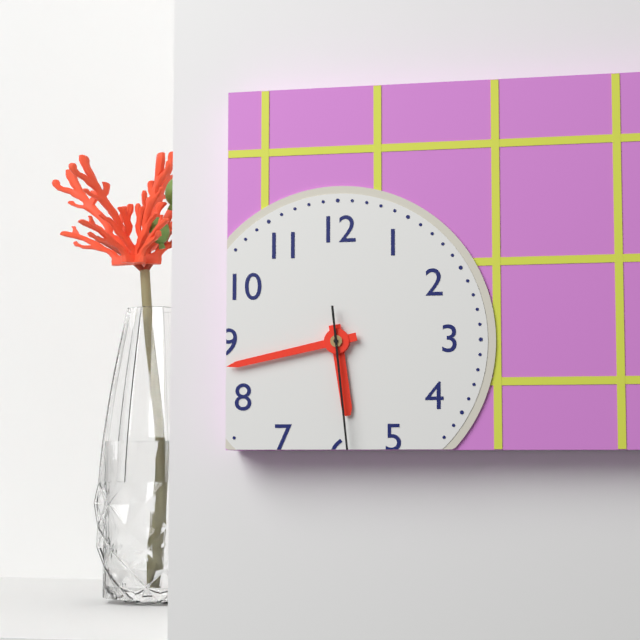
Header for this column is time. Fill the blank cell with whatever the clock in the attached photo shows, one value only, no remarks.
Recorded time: 5:43:29
